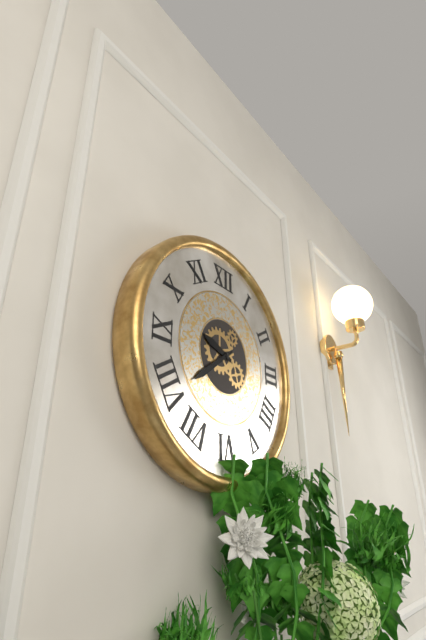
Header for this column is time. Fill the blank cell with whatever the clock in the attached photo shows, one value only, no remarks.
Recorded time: 9:39
